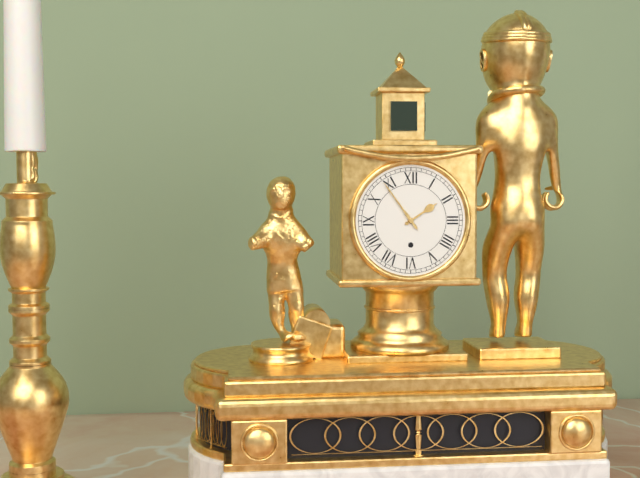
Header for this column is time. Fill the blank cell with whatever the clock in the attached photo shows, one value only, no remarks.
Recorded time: 1:54
